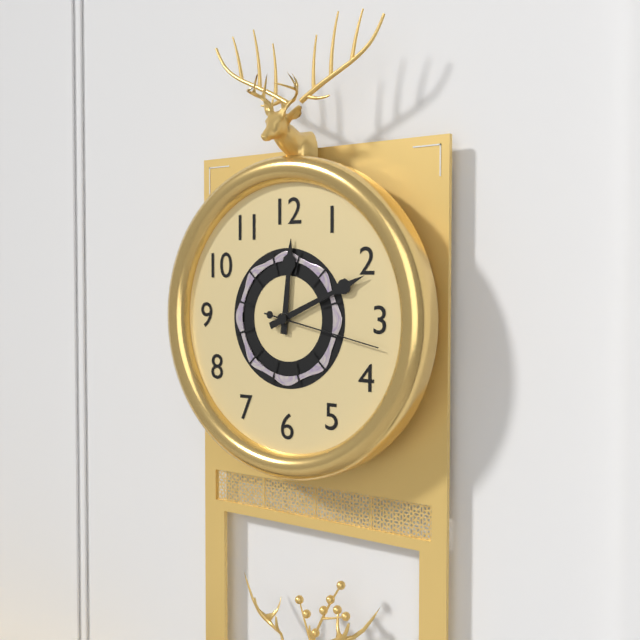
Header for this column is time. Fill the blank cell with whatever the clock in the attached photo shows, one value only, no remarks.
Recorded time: 12:11:17
